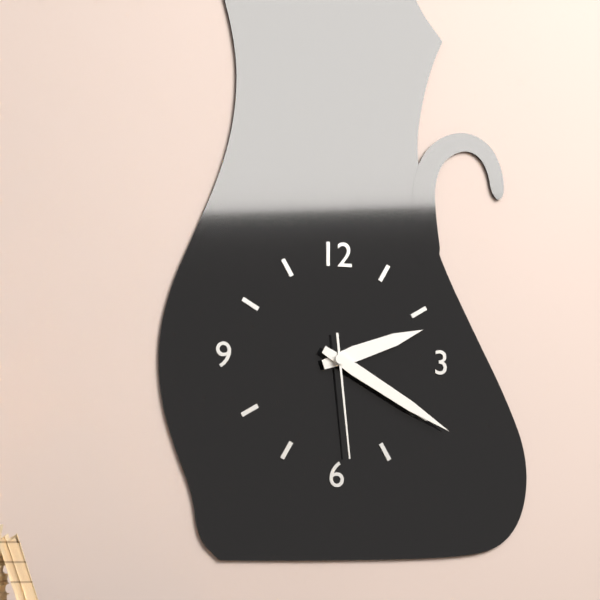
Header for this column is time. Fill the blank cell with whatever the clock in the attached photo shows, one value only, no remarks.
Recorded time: 2:20:29
